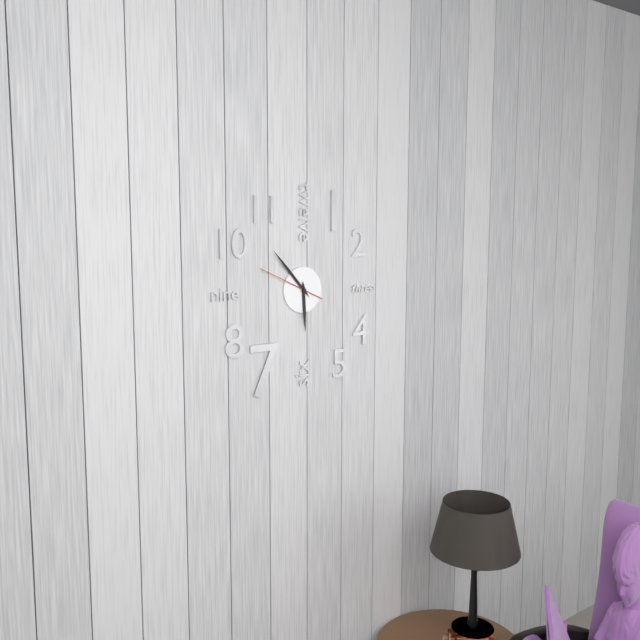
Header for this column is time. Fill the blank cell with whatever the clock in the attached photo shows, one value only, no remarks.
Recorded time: 5:53:49
